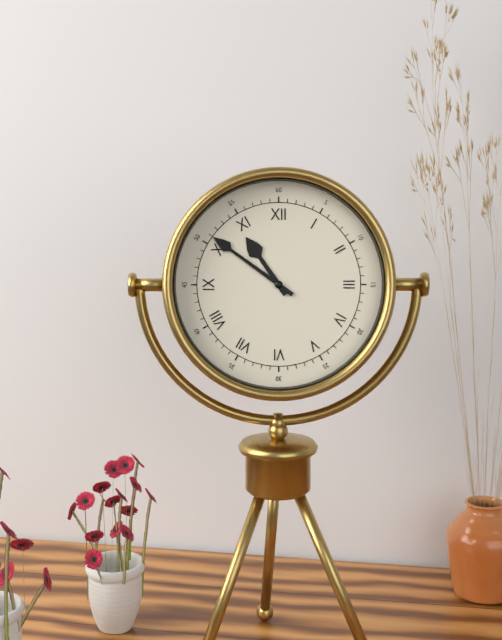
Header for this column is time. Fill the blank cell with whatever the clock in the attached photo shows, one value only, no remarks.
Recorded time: 10:51
